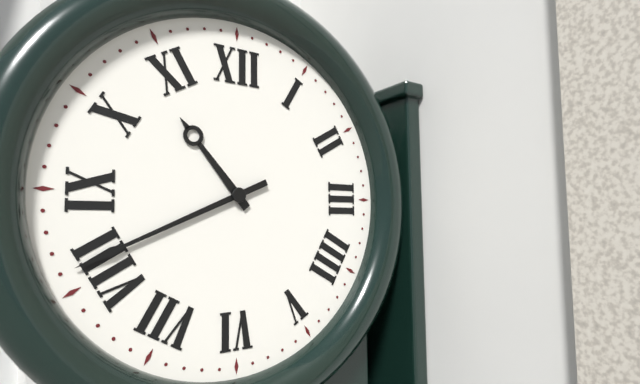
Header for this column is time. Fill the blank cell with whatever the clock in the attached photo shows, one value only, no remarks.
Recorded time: 10:41
